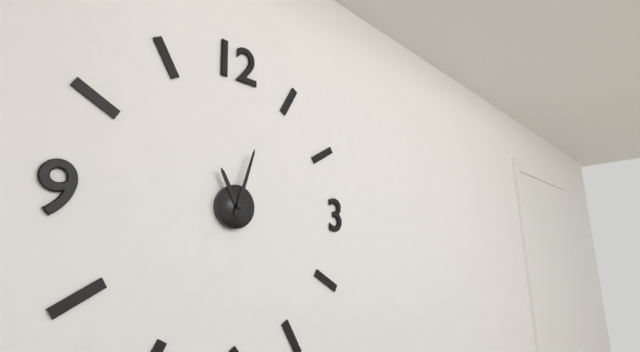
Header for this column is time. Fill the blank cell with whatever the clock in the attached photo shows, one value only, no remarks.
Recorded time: 11:03
